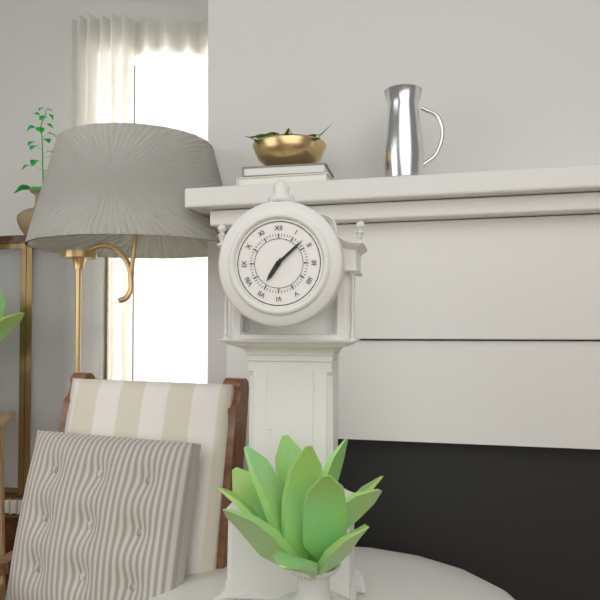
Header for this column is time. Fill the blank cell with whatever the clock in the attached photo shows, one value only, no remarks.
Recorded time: 7:08
